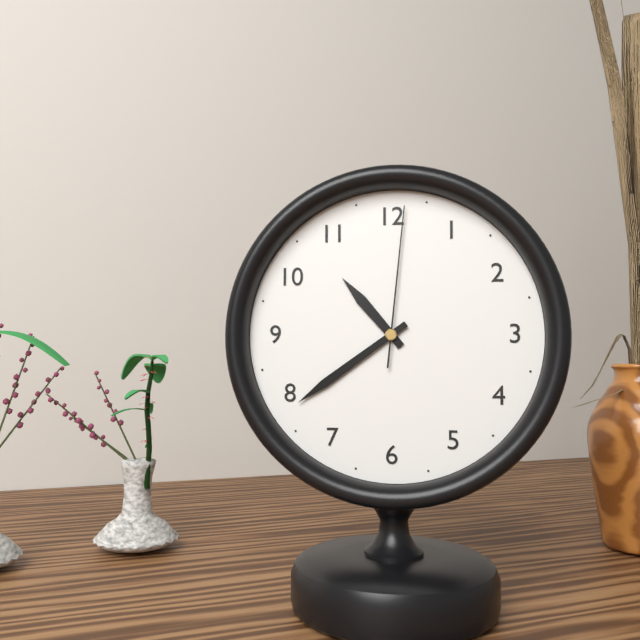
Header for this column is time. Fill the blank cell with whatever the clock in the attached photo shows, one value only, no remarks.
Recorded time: 10:39:01
